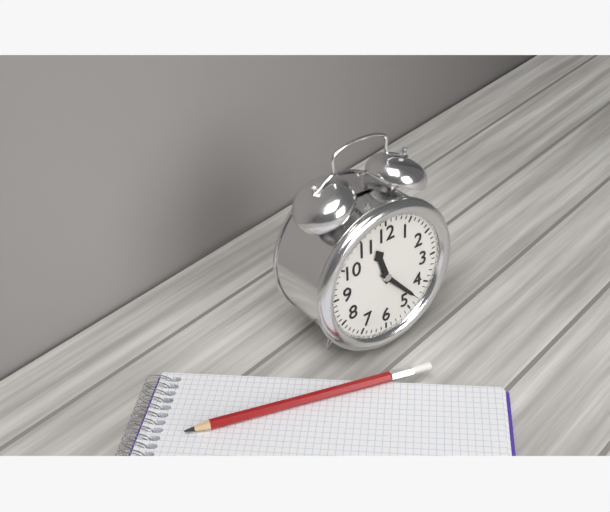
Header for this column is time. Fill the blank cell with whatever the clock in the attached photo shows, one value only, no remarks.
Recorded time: 11:23
